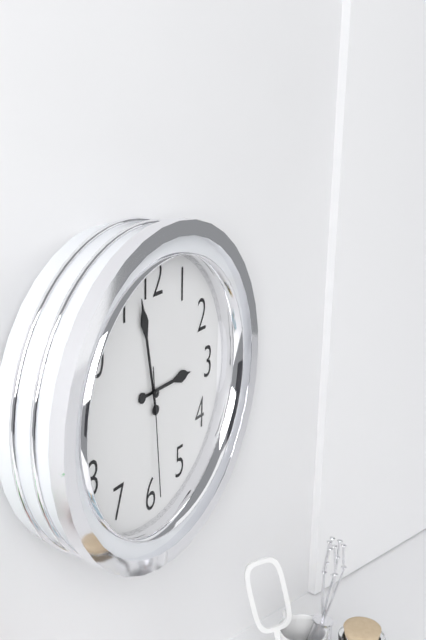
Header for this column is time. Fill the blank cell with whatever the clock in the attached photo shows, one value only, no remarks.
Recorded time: 2:58:29
